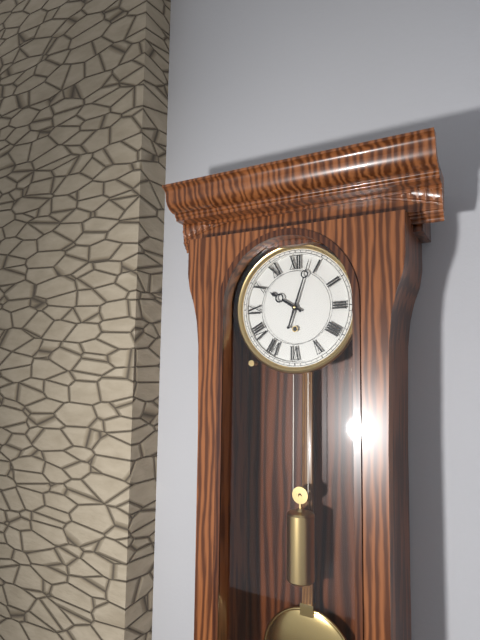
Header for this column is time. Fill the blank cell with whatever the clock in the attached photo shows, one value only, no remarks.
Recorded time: 10:03
